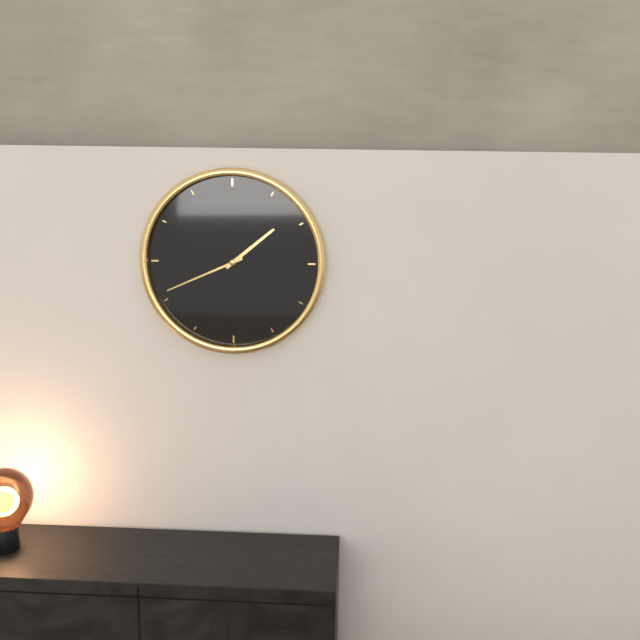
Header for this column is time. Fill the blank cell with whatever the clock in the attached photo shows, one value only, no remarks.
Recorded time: 1:41
